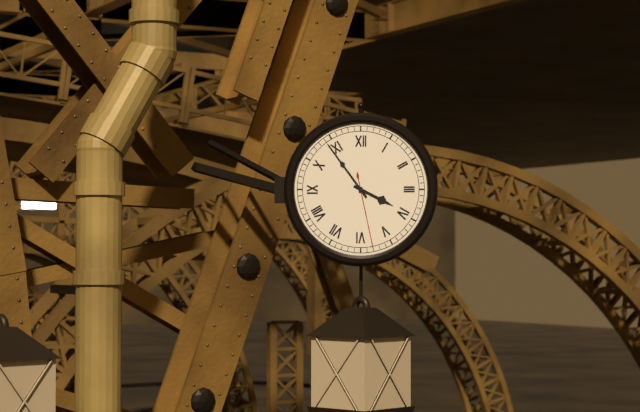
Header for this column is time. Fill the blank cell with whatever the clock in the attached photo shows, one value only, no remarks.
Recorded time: 3:54:28
